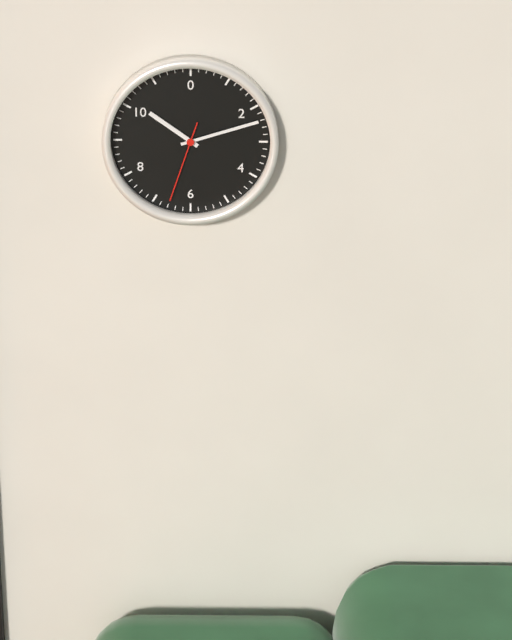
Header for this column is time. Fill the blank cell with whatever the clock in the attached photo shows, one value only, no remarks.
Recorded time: 10:12:33
